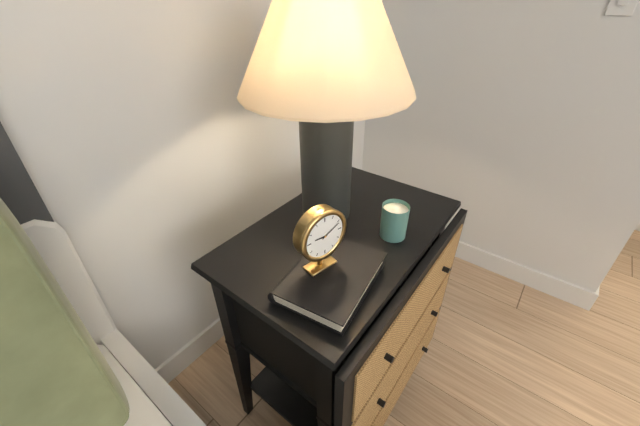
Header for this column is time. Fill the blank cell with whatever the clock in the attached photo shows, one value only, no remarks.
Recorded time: 9:11
